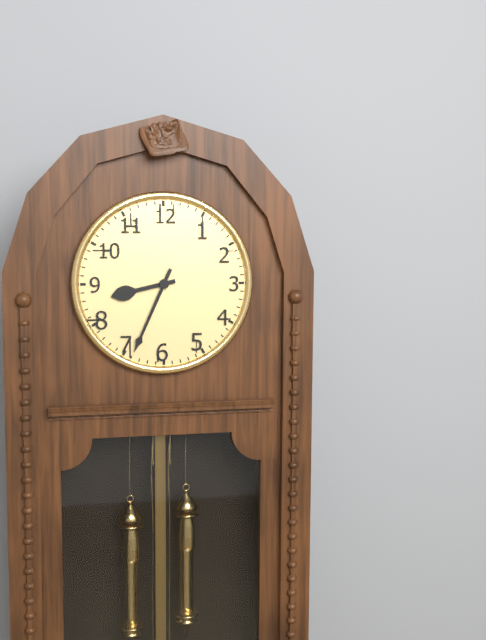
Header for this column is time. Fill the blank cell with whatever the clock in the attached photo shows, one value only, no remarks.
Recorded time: 8:34
